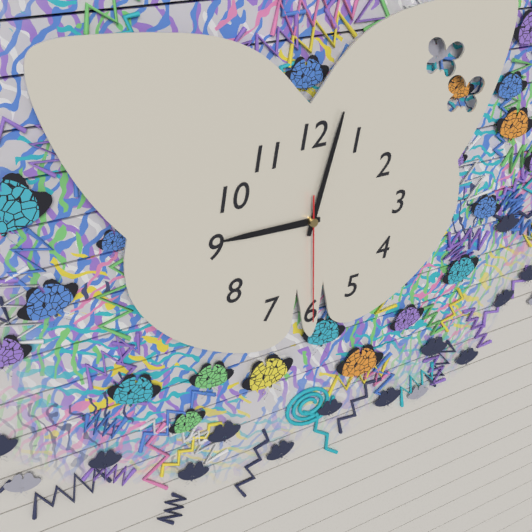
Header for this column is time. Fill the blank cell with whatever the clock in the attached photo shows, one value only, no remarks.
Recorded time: 9:03:30
